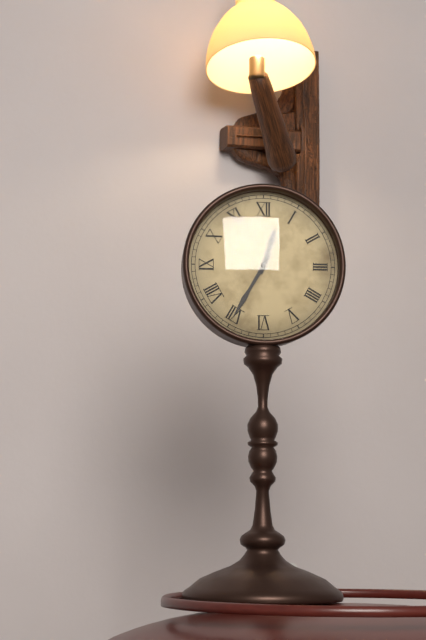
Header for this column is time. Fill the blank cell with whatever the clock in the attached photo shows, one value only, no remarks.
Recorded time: 12:35
